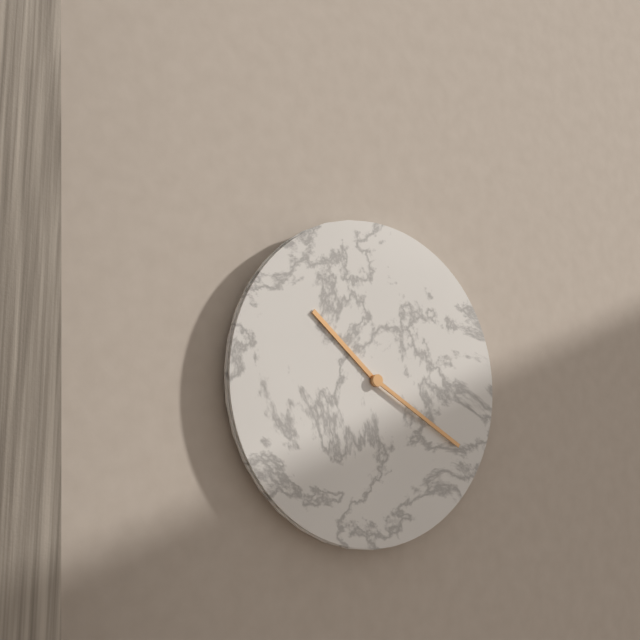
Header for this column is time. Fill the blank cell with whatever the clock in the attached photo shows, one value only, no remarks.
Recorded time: 10:20
